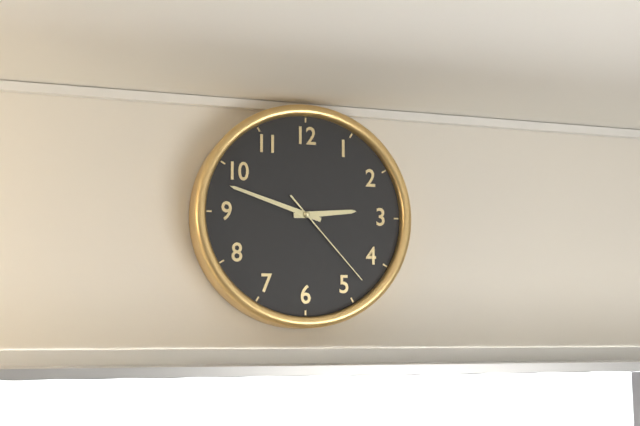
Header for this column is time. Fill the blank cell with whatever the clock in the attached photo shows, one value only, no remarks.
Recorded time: 2:48:23
